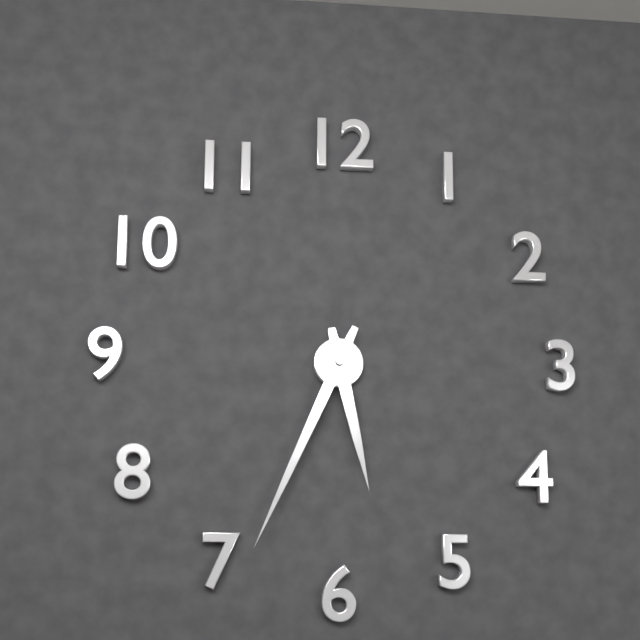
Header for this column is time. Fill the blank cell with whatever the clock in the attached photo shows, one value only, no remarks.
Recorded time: 5:34
